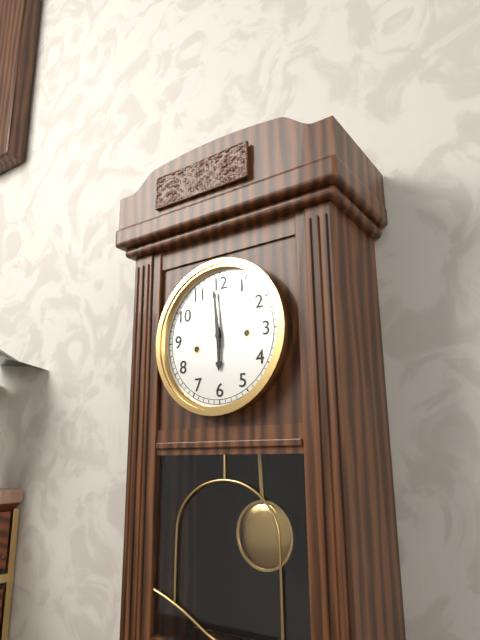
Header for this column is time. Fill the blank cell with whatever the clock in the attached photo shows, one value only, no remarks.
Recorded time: 5:59
